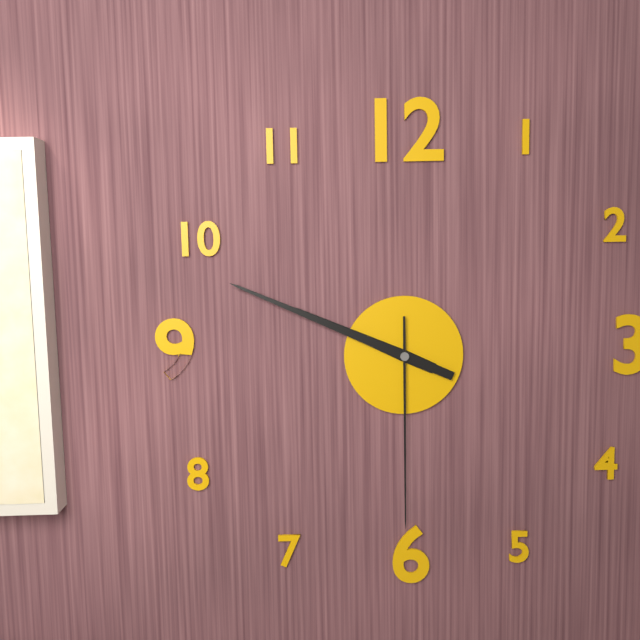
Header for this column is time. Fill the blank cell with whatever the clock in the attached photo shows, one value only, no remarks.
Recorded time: 9:49:30
